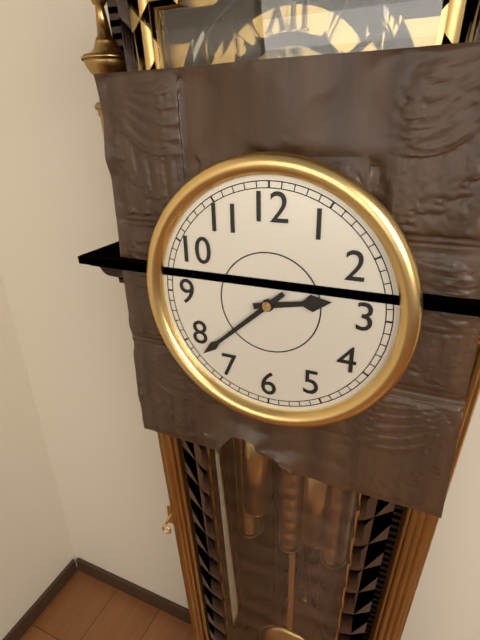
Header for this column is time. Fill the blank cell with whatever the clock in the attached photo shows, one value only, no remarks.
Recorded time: 2:38
